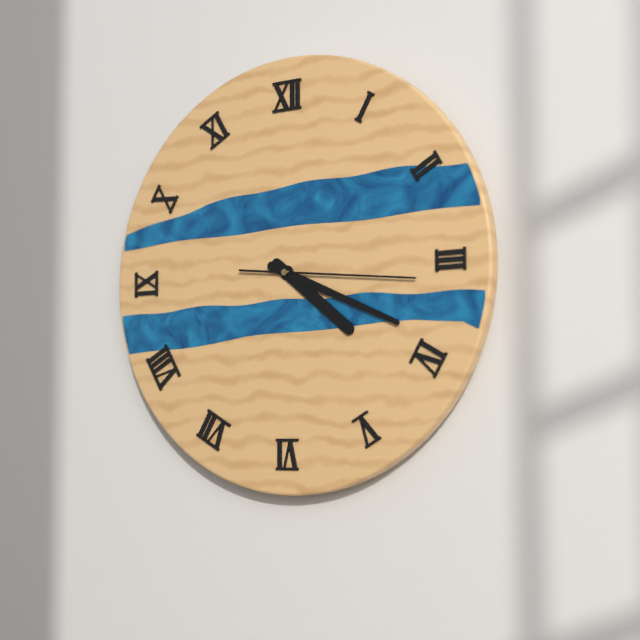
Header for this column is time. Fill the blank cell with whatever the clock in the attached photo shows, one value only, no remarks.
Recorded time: 4:19:16
